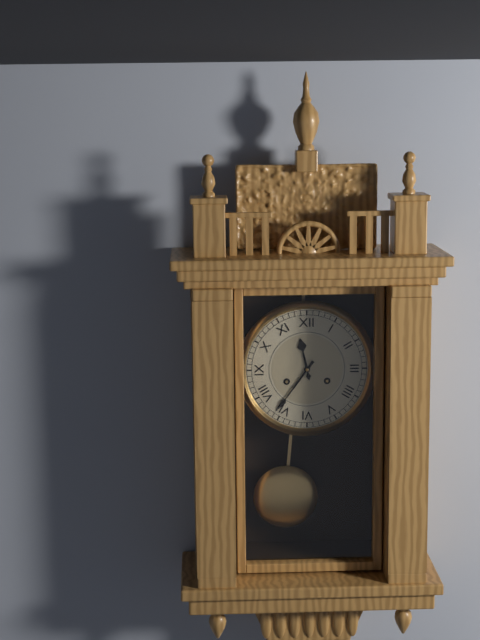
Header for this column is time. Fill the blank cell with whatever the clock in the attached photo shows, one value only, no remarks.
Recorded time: 11:36
